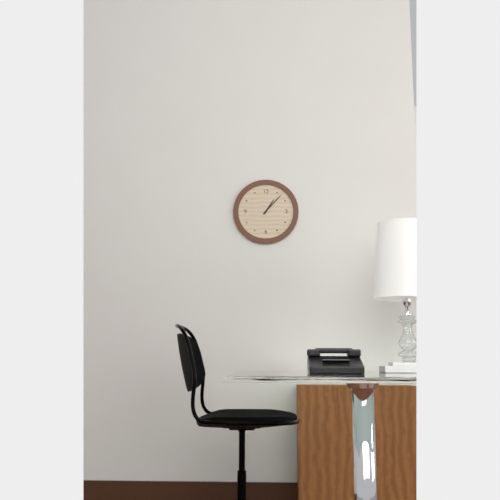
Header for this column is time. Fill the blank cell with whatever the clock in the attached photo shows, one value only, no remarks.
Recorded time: 1:07
